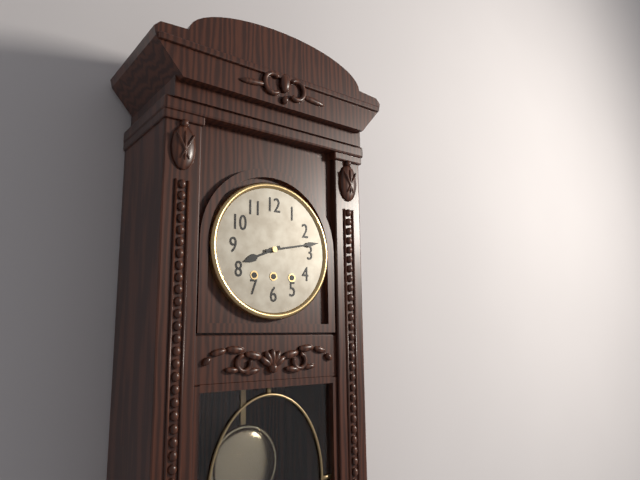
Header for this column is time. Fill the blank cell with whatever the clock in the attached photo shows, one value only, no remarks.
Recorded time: 8:13
